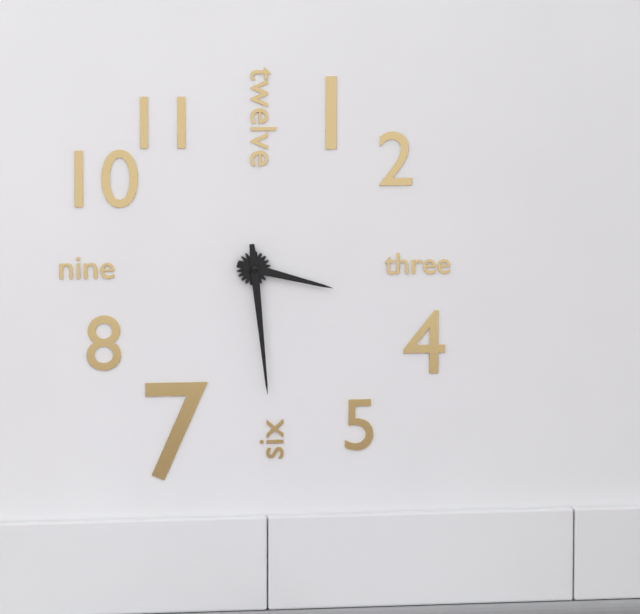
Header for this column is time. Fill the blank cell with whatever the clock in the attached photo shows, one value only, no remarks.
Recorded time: 3:29
